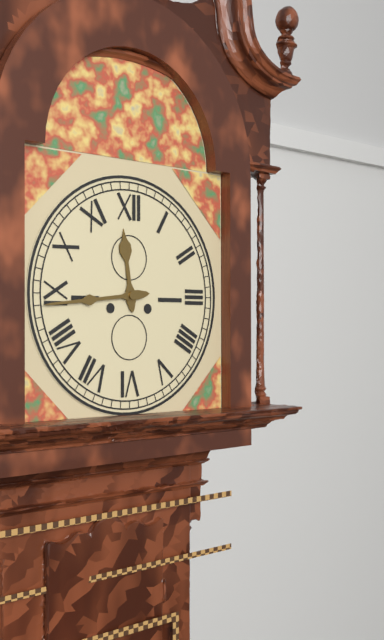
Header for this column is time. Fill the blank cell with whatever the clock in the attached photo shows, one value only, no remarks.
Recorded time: 11:44
